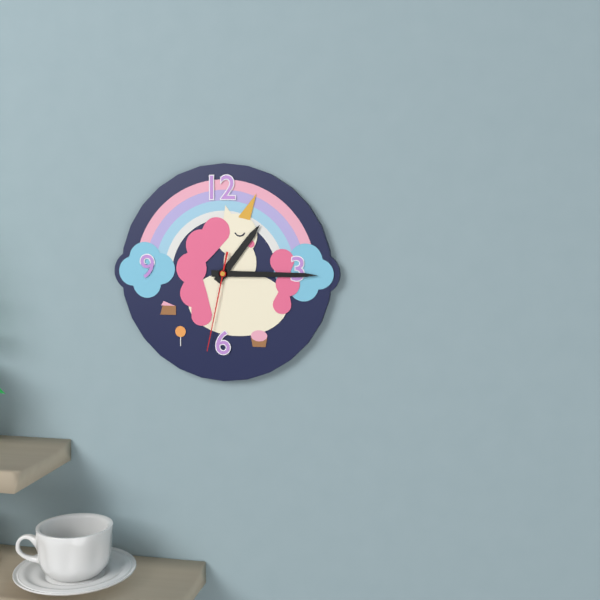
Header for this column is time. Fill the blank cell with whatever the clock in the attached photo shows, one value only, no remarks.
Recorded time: 1:15:32
